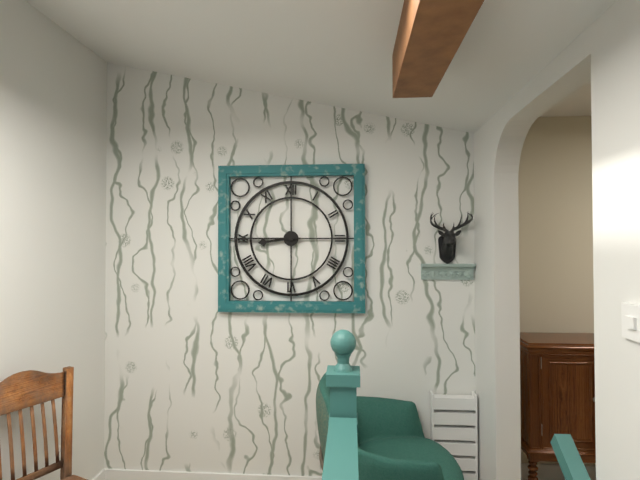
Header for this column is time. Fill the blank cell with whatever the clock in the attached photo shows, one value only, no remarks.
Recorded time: 8:45
